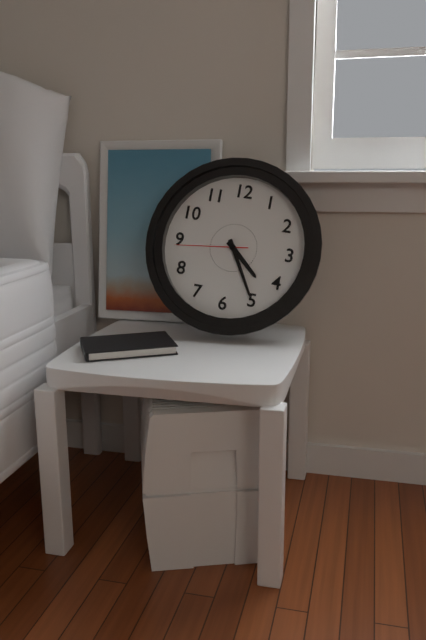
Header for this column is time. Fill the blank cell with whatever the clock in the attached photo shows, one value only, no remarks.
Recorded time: 4:25:44
